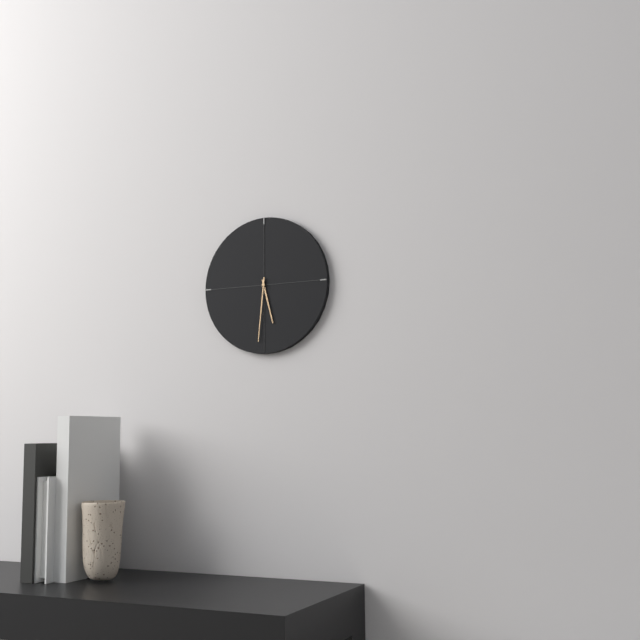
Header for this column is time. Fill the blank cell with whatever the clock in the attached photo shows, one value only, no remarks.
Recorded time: 5:31
